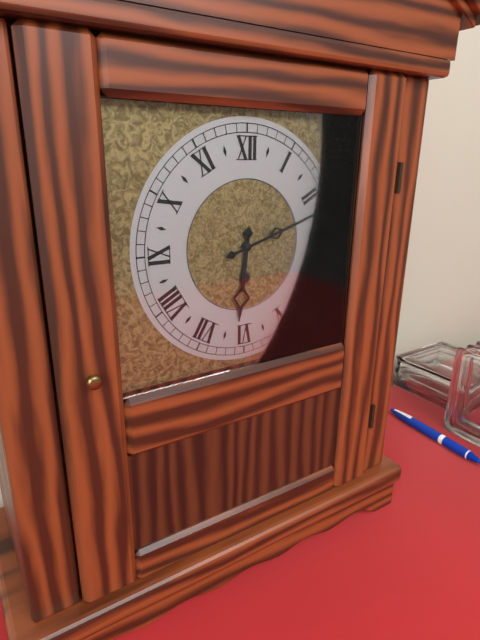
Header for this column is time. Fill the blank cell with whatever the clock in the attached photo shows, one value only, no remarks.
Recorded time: 6:12
